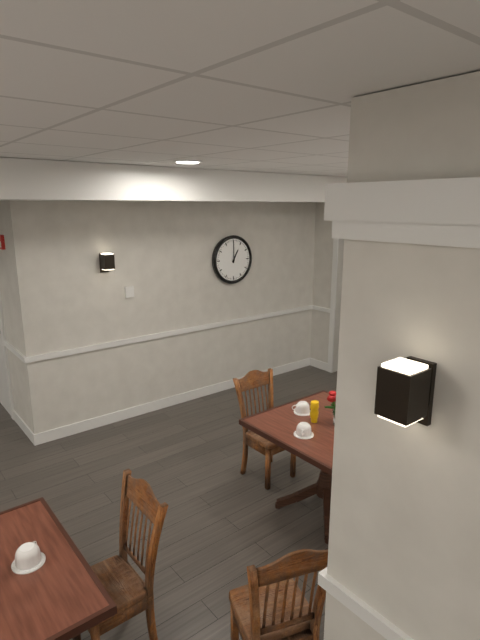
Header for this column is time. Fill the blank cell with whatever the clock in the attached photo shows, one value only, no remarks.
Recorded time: 1:00
